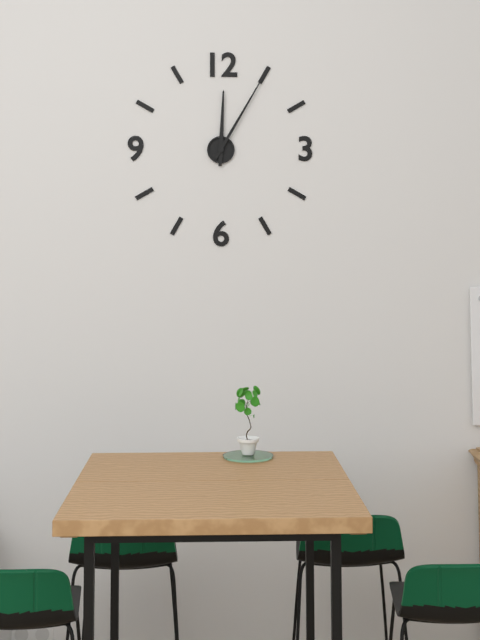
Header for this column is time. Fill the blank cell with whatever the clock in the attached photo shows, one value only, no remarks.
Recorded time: 12:05
